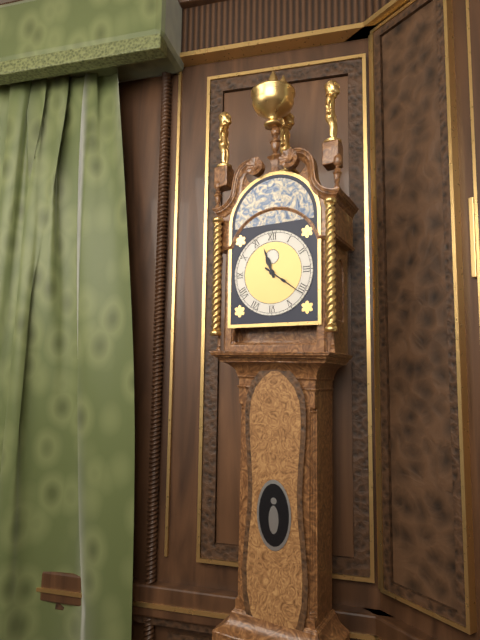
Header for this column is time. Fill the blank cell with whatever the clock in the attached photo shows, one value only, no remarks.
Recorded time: 11:21
